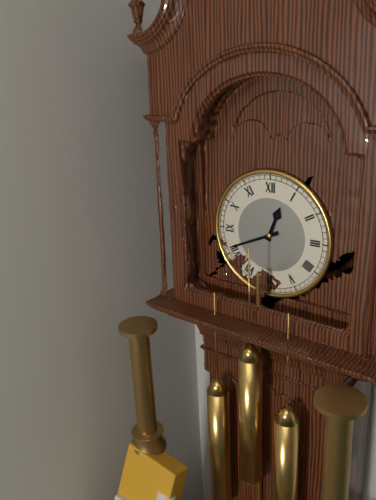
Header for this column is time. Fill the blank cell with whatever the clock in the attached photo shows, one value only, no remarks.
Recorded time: 12:41
